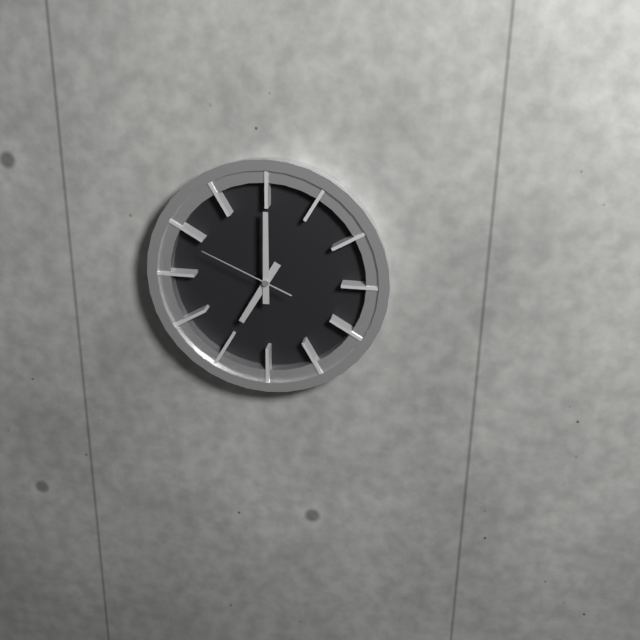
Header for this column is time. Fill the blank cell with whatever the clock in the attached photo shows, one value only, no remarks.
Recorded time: 7:00:49
